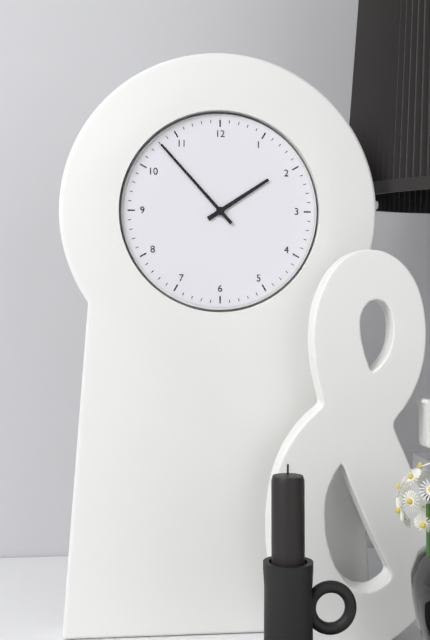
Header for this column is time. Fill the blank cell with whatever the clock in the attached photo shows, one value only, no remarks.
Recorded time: 1:53
